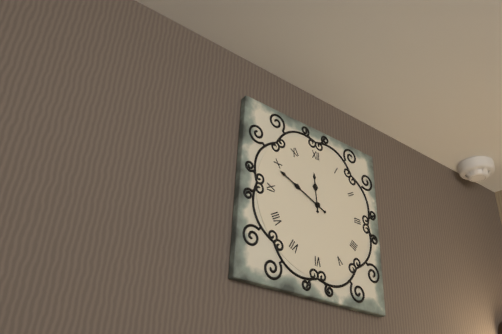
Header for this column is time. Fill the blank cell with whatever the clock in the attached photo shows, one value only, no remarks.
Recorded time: 11:49
